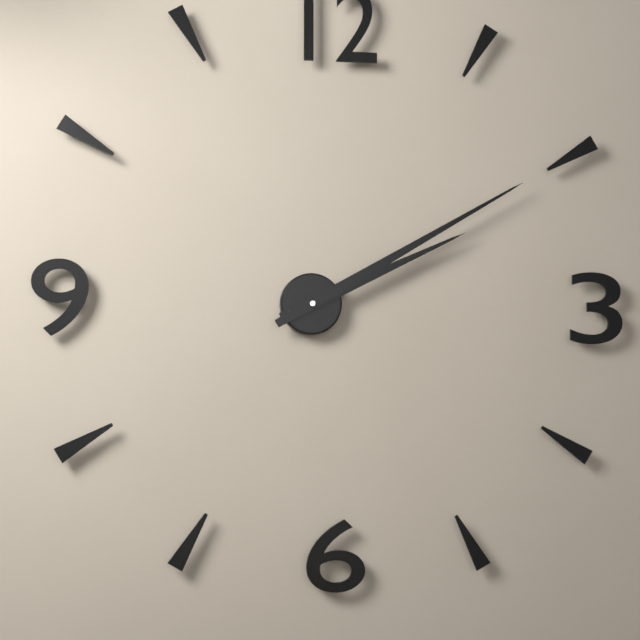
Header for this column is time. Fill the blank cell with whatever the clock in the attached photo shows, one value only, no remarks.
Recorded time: 2:10
